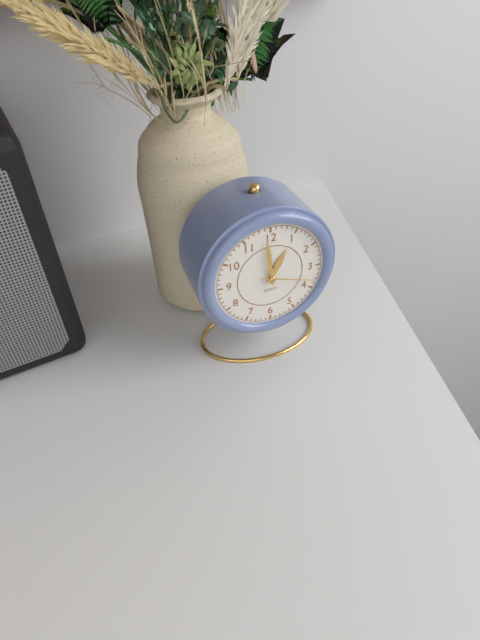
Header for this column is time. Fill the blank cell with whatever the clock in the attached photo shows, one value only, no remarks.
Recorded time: 12:59:18
